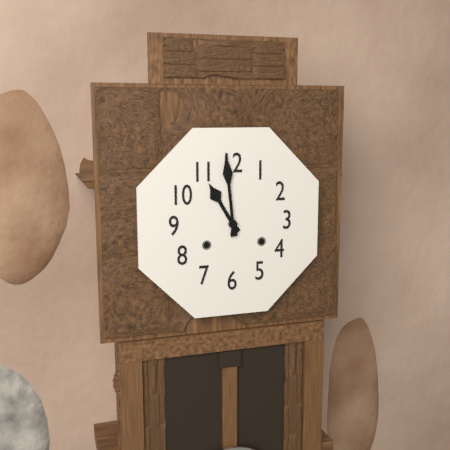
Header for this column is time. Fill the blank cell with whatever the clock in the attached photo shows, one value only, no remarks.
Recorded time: 10:59
